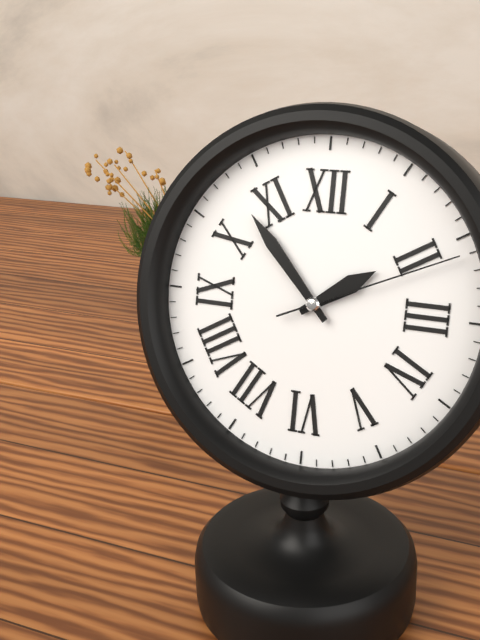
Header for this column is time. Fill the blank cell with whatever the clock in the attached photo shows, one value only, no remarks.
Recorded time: 1:53:11
